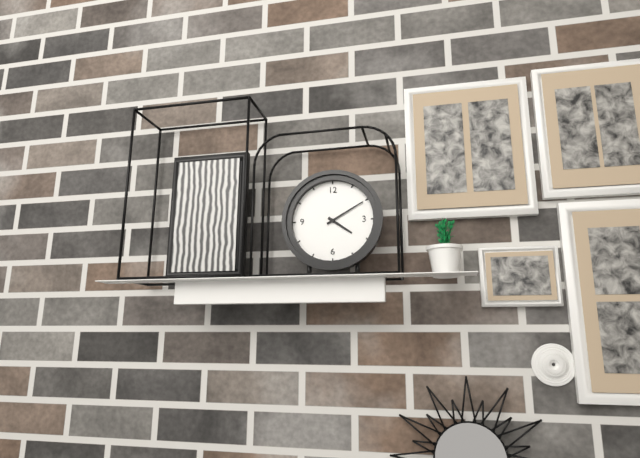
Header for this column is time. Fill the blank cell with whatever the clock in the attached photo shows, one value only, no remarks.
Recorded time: 4:10
